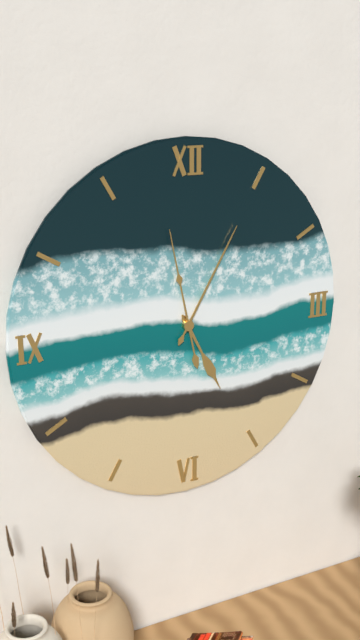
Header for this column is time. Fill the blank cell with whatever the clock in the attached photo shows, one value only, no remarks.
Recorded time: 5:05:58
